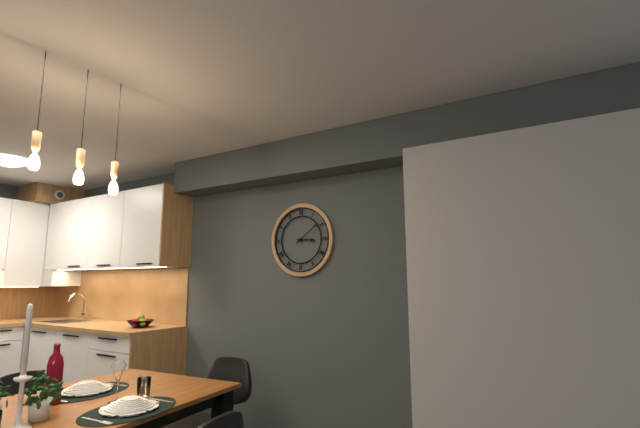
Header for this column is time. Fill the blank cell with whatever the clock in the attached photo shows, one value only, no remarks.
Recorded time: 3:09
